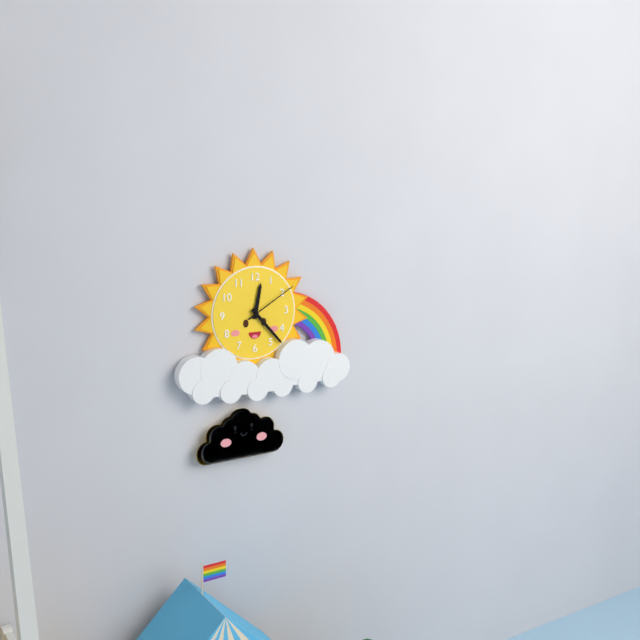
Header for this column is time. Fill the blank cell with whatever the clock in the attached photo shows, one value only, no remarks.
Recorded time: 12:23:10
